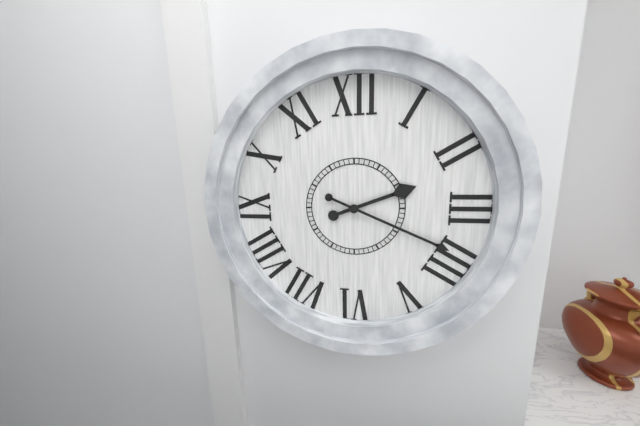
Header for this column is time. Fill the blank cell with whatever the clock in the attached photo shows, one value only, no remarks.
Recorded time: 2:19
